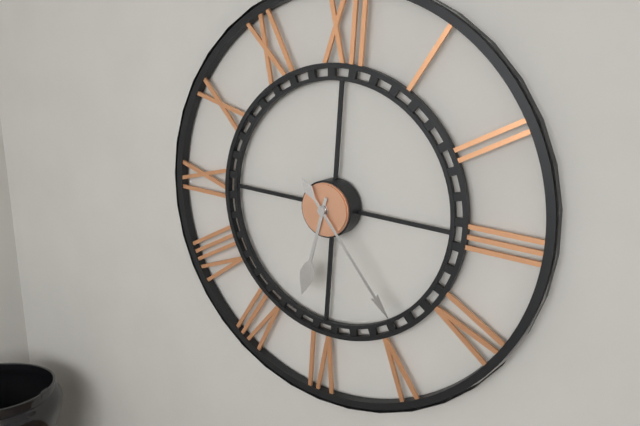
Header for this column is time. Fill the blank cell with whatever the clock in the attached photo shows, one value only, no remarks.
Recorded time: 6:23
